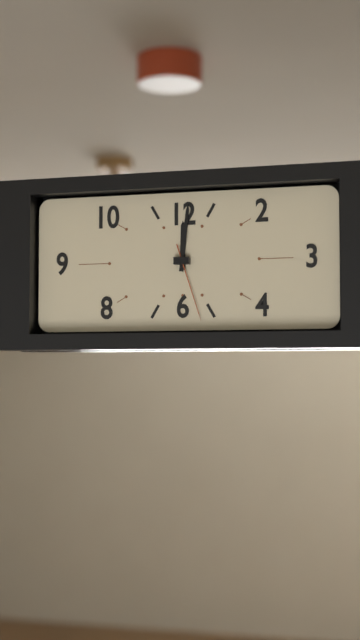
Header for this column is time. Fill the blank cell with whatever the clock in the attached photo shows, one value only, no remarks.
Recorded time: 12:01:27
